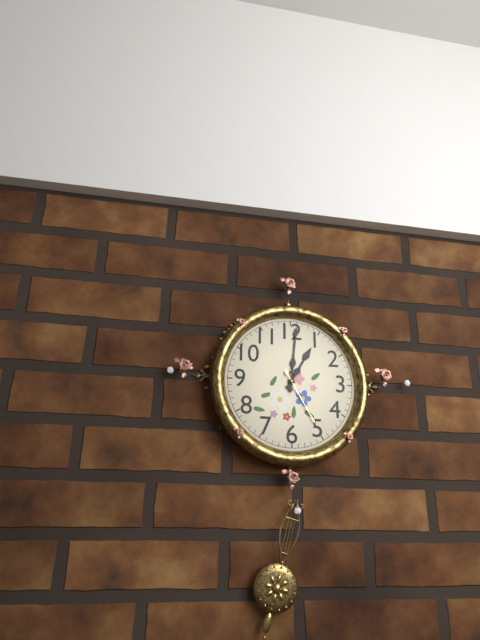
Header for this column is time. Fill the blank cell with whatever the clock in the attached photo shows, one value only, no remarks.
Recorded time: 1:01:25
